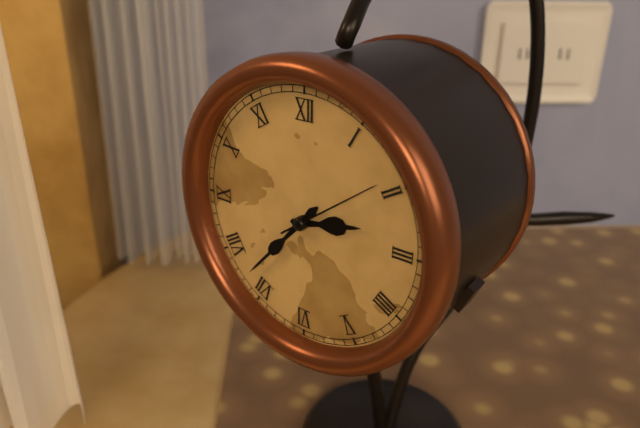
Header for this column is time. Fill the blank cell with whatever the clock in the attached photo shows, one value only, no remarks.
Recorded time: 2:37:09
